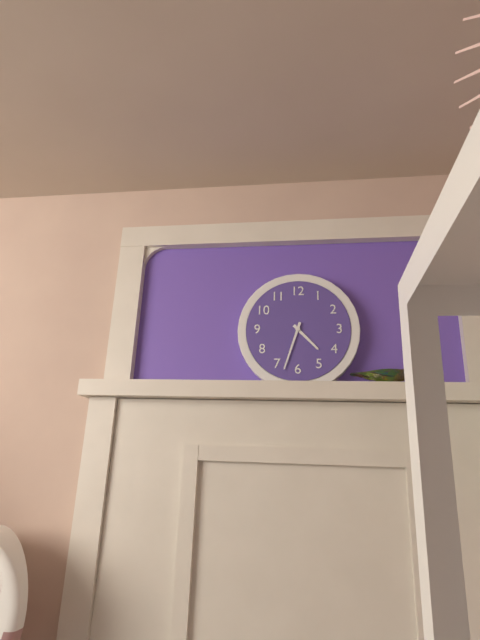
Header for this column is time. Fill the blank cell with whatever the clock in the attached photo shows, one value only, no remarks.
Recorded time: 4:33
